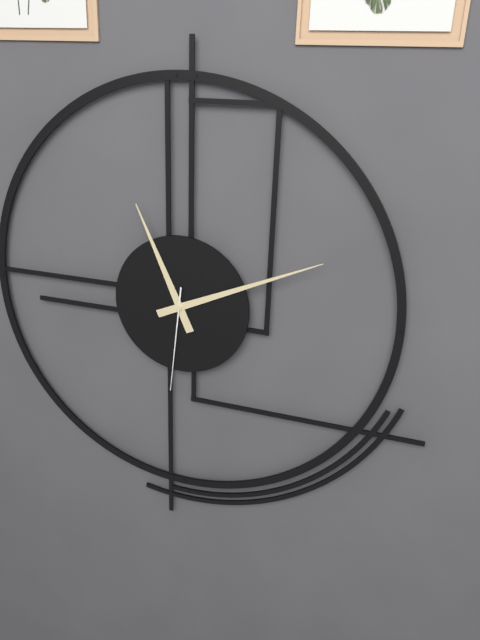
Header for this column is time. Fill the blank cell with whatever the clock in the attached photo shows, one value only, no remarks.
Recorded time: 11:11:31
